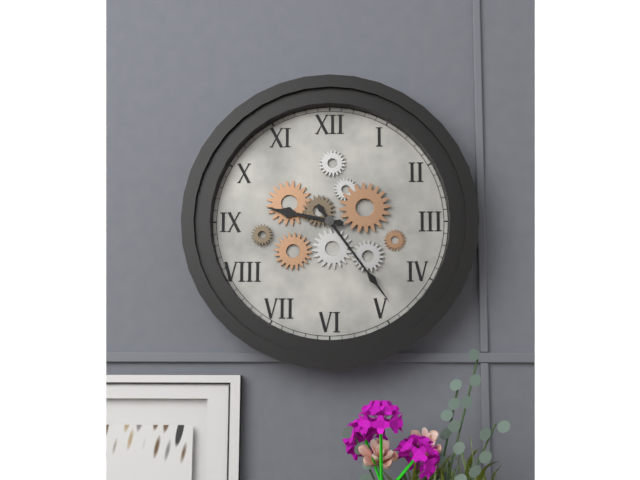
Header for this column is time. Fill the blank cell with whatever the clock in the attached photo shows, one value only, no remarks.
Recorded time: 9:24
